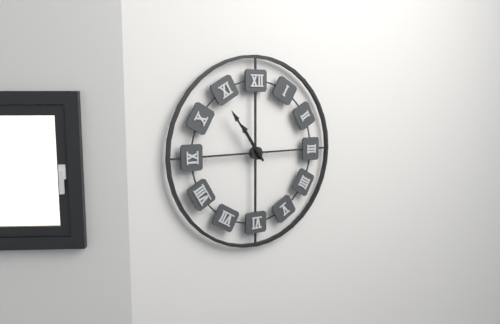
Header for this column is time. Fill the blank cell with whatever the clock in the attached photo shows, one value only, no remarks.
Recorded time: 10:54
